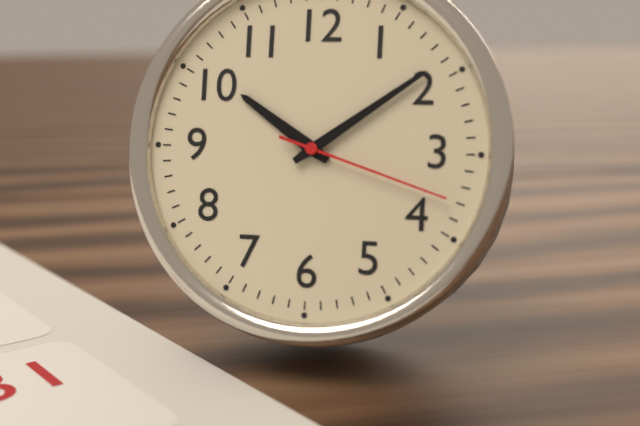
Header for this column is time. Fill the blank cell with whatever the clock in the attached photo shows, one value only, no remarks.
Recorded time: 10:09:18
